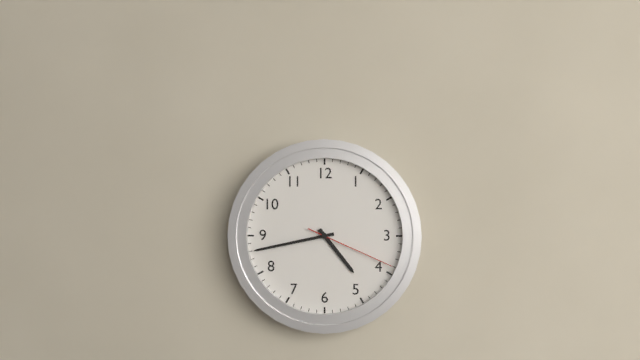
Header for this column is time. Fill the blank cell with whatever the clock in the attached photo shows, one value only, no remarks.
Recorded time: 4:43:19
